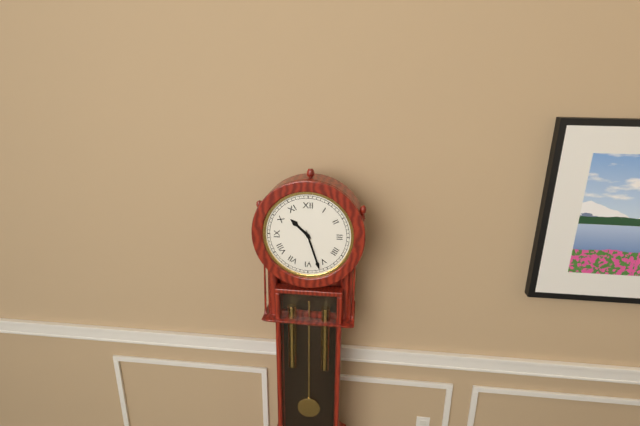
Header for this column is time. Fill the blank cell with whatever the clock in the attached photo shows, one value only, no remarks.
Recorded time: 10:27
